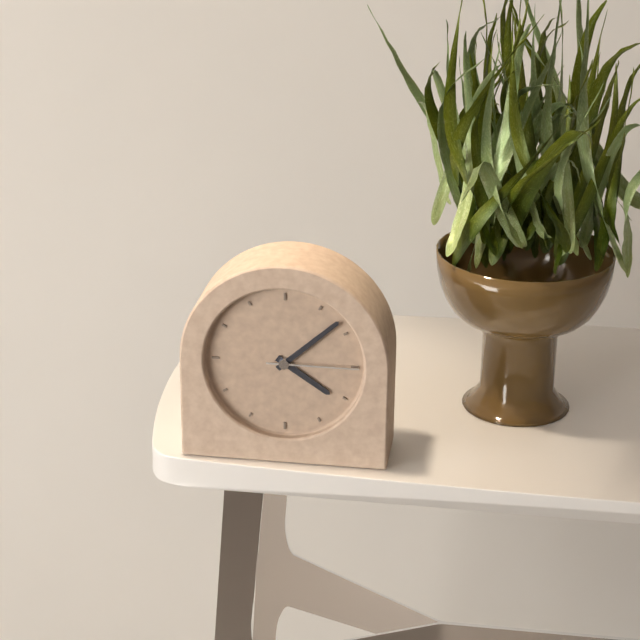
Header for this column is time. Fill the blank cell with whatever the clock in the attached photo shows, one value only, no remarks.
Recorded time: 4:08:15
